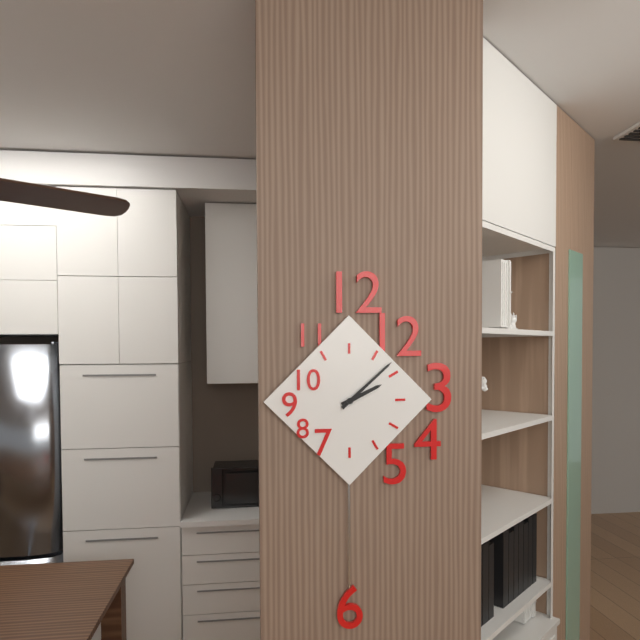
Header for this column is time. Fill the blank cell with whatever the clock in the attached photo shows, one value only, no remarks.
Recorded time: 2:08
